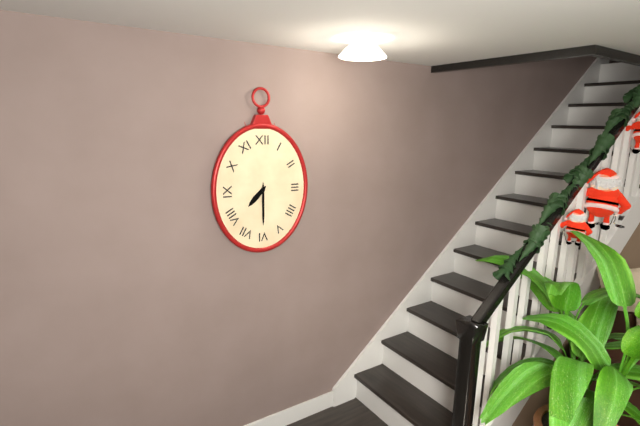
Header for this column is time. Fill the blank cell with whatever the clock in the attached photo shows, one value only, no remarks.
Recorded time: 7:30
